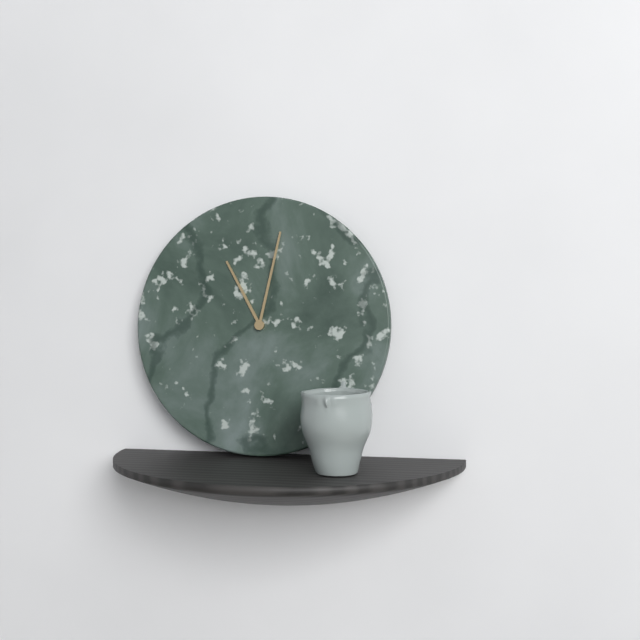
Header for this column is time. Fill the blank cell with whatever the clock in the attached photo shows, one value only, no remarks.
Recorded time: 11:02
